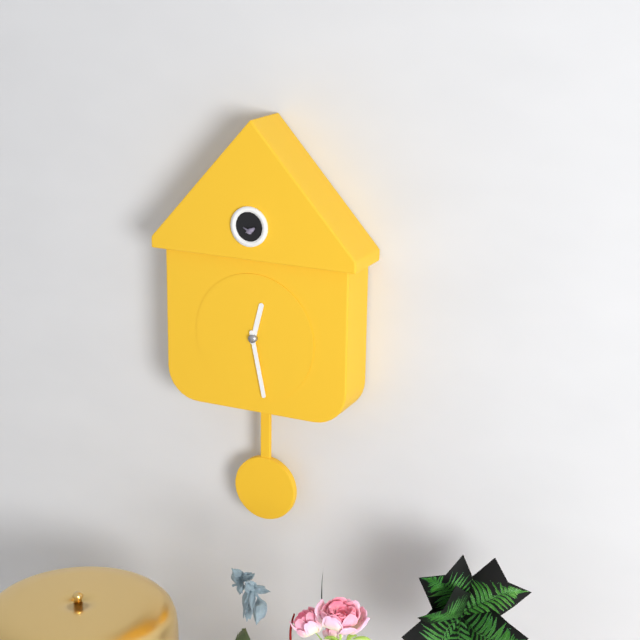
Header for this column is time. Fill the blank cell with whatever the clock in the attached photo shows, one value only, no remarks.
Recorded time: 12:28
